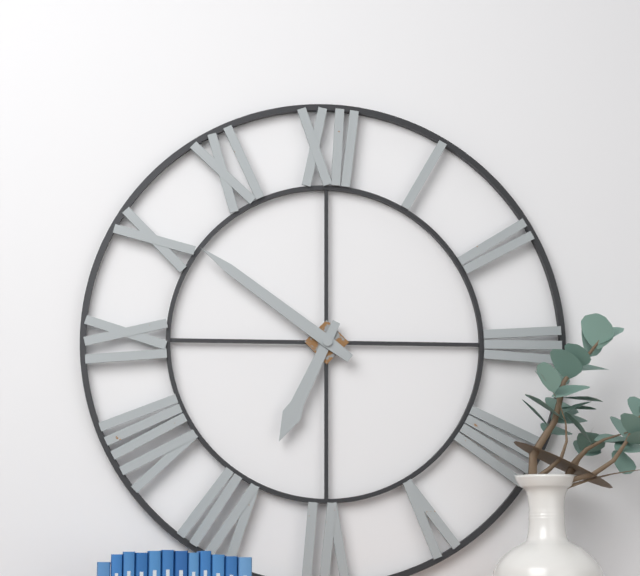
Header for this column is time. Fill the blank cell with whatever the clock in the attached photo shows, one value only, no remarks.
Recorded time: 6:51
